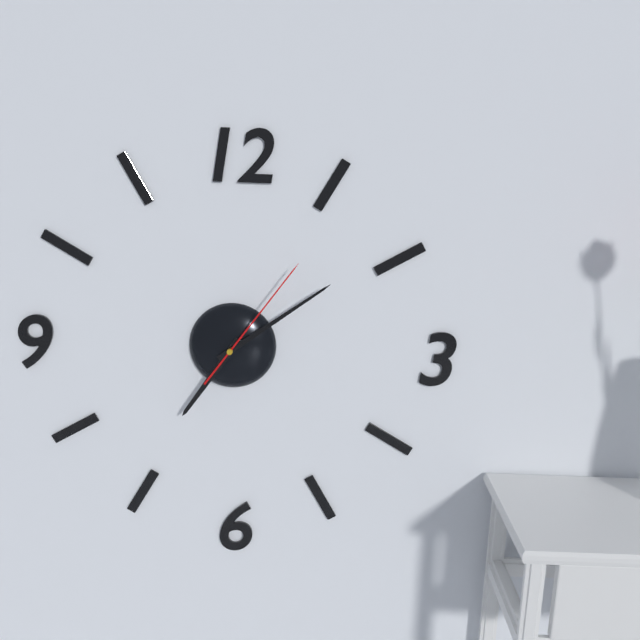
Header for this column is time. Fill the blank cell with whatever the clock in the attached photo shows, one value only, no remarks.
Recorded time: 7:09:06
